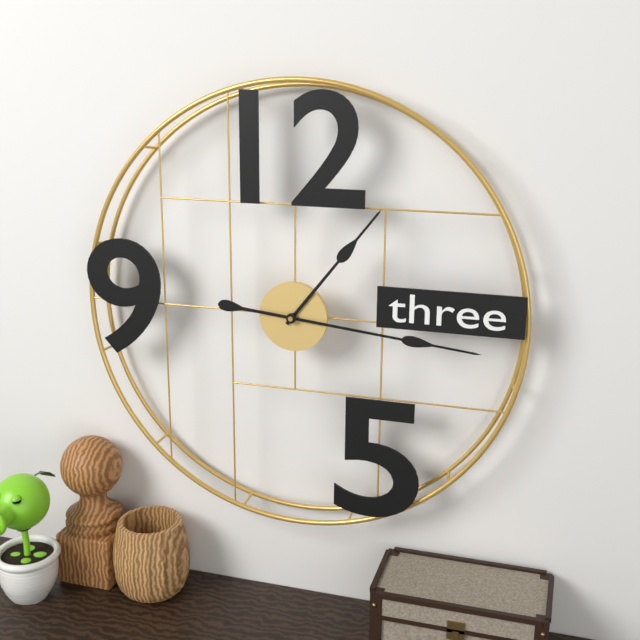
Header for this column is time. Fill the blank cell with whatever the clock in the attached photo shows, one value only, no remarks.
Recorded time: 1:16
